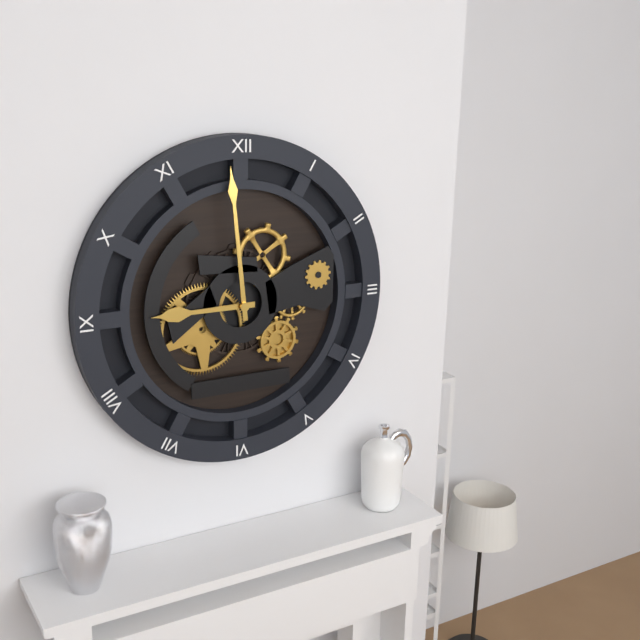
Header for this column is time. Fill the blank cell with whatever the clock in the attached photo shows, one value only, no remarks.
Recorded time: 8:59
